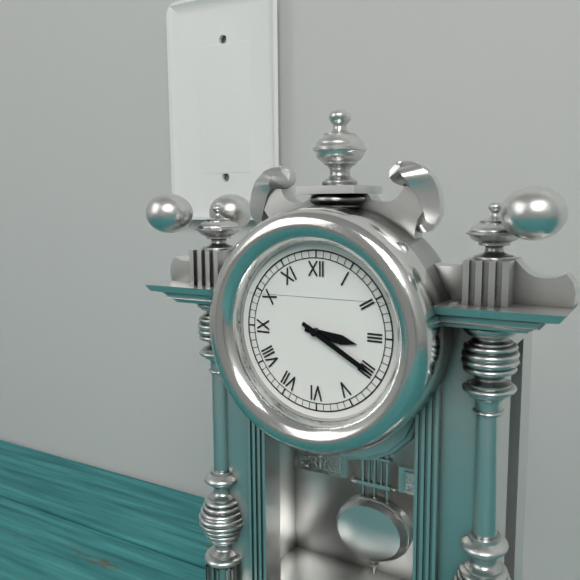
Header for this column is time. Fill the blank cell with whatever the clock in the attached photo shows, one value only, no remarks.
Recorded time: 3:20
